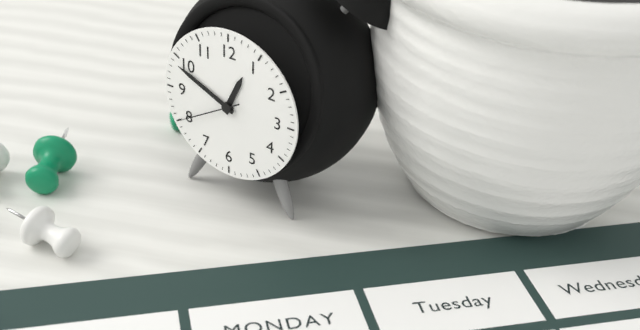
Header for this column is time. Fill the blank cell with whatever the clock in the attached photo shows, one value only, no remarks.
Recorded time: 12:49:40
